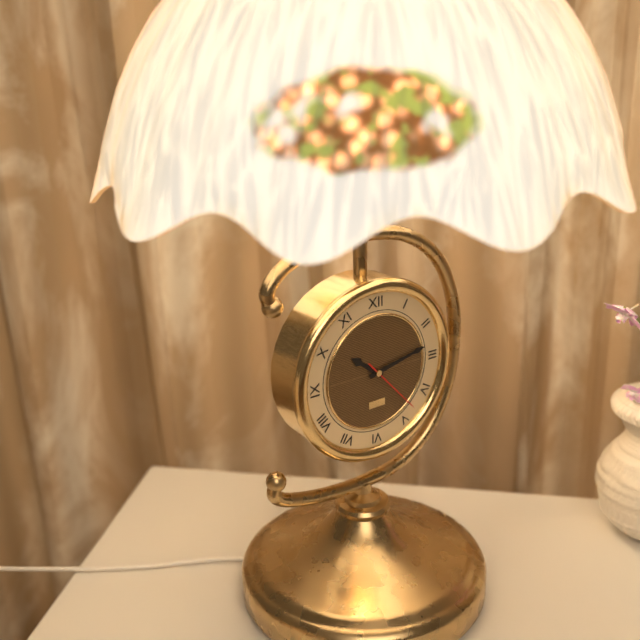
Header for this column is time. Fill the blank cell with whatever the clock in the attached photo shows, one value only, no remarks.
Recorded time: 10:13:23
